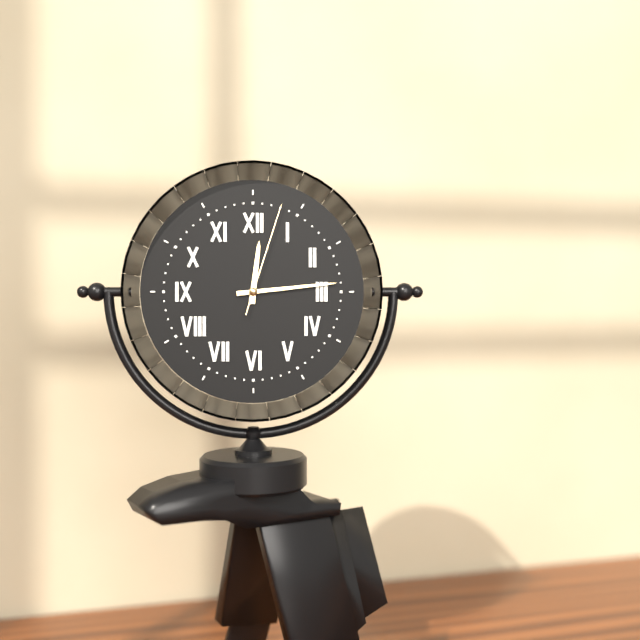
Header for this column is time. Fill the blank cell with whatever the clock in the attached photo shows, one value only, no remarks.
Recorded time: 12:14:03
